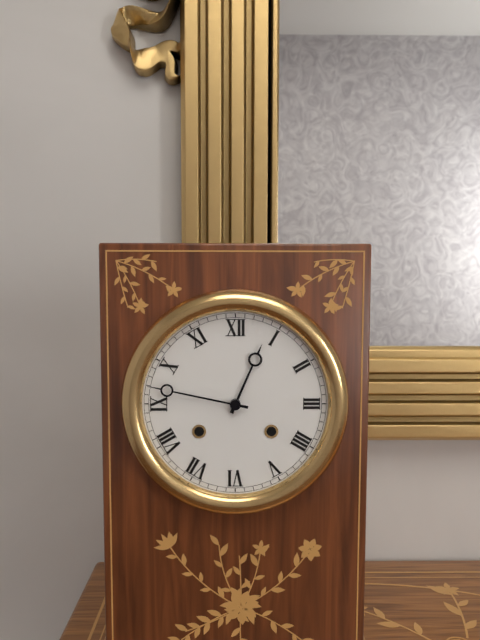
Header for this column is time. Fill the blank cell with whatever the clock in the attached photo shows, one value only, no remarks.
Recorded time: 12:47
